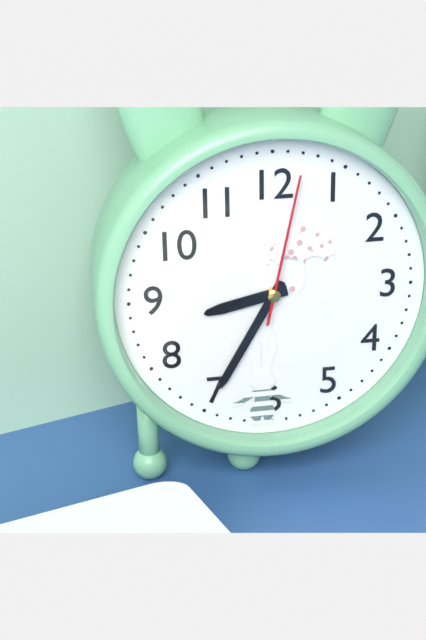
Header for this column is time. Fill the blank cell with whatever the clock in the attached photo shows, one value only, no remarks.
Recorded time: 8:35:02
